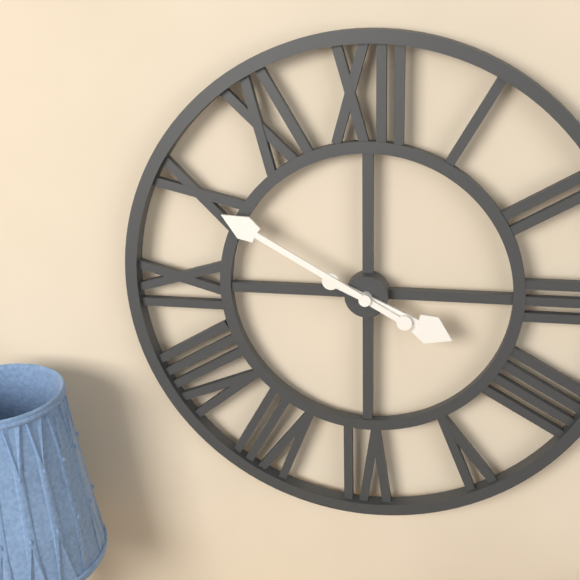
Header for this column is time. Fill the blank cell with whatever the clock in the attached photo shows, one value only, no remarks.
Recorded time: 3:50
